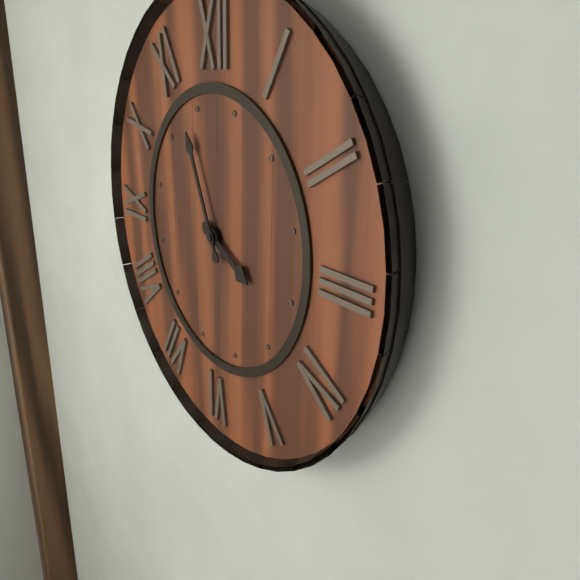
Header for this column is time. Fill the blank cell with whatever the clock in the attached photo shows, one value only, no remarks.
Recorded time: 3:56
